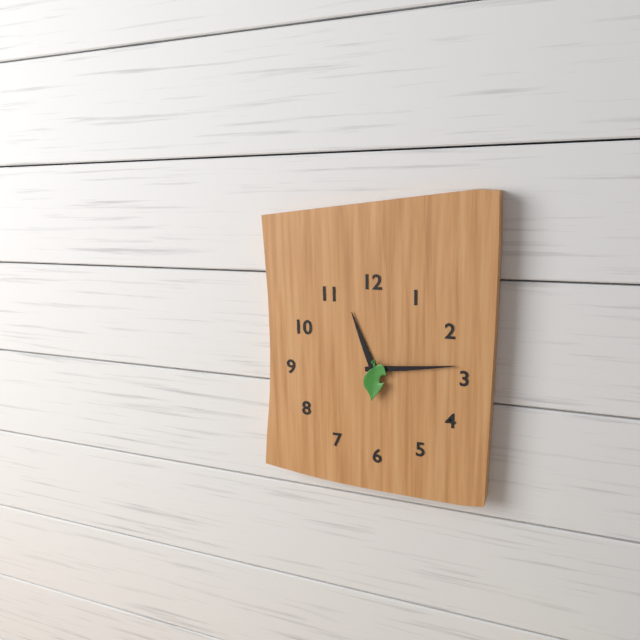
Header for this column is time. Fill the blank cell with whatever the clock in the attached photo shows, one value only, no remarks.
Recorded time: 11:14
